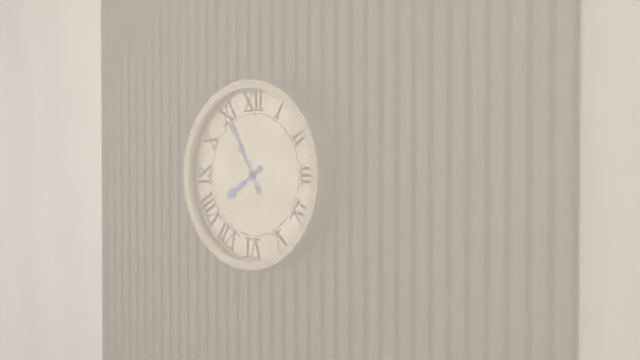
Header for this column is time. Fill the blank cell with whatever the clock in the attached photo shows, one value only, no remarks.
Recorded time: 7:55
